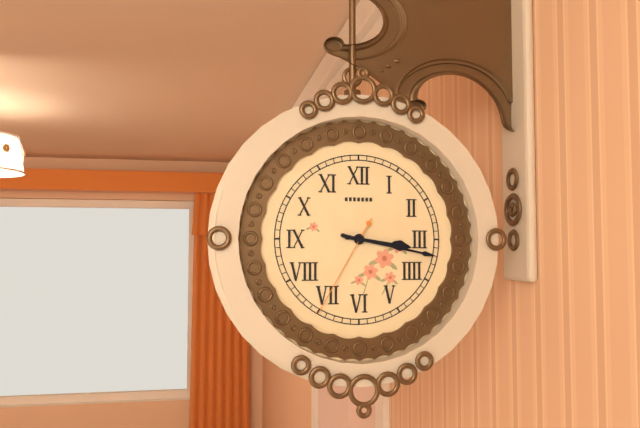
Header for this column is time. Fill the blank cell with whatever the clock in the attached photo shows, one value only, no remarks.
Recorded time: 3:17:35
